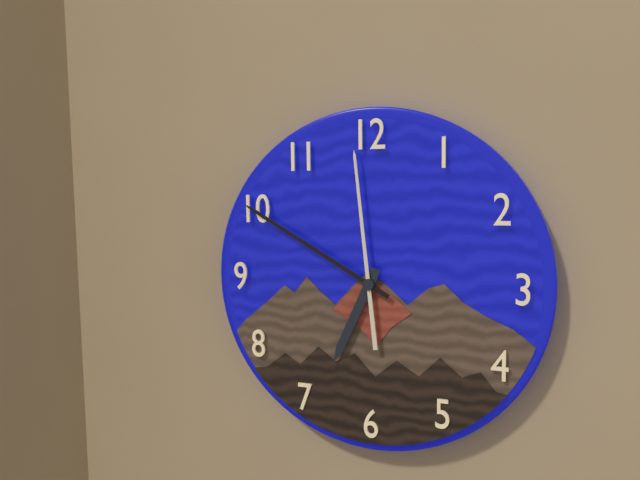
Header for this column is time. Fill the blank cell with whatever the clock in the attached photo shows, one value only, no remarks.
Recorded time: 6:50:59
